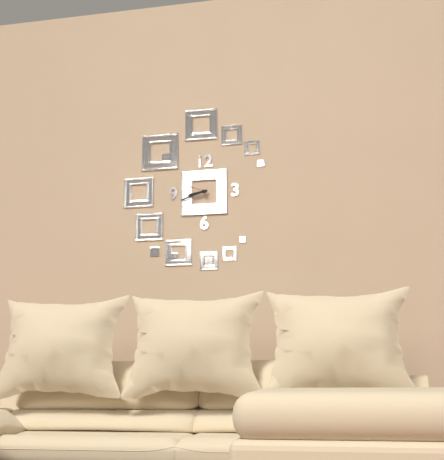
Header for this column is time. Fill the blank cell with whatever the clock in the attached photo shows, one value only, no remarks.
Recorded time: 8:42
